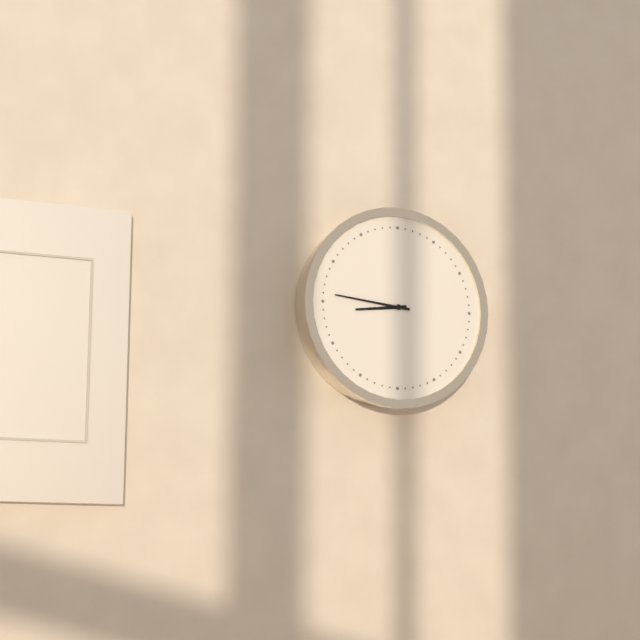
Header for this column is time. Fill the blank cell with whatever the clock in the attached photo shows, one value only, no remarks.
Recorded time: 8:46
